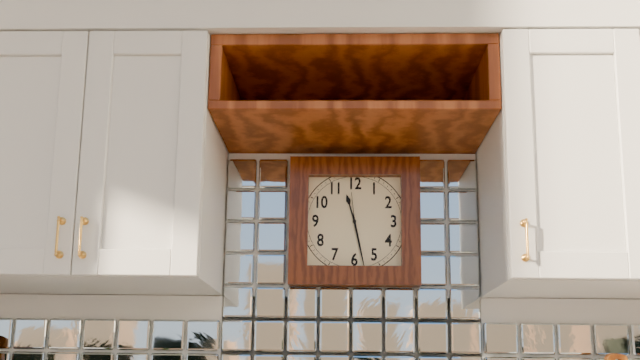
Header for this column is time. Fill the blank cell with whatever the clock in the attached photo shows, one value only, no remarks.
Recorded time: 11:28
